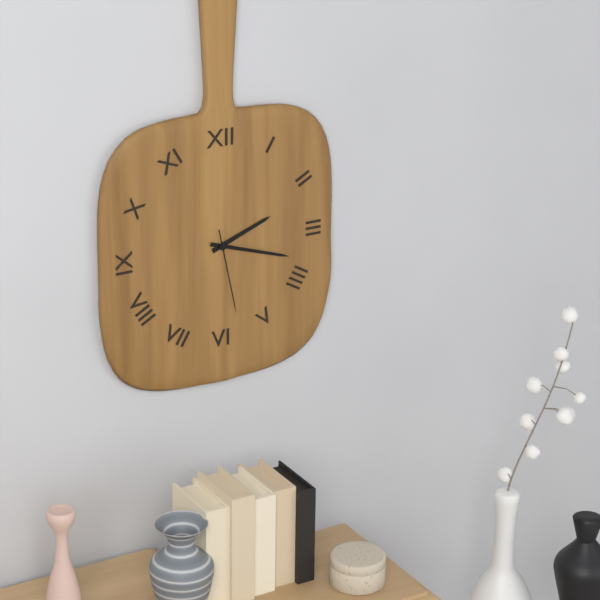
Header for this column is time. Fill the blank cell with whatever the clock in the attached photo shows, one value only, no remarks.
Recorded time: 2:18:28
